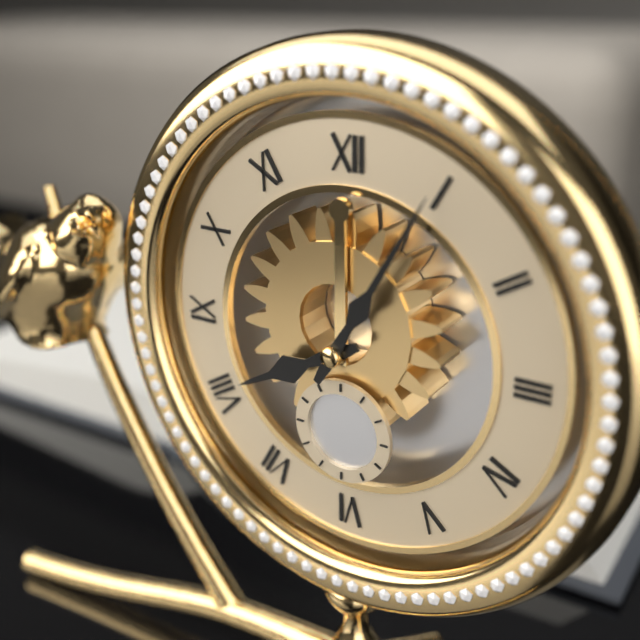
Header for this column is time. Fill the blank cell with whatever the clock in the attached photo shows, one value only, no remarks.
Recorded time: 8:05
